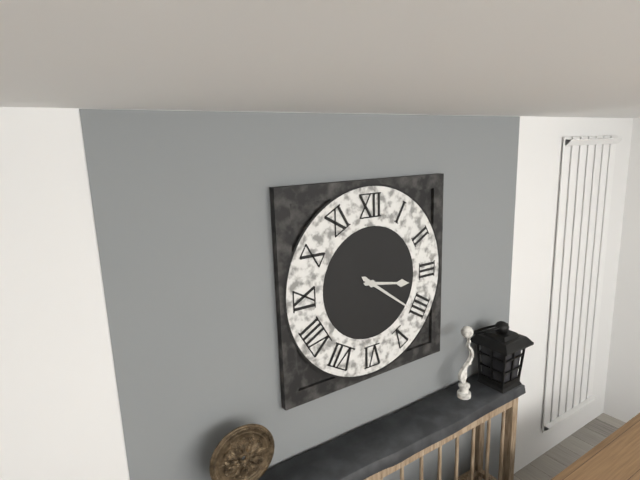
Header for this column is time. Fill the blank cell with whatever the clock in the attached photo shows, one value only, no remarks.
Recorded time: 3:21
